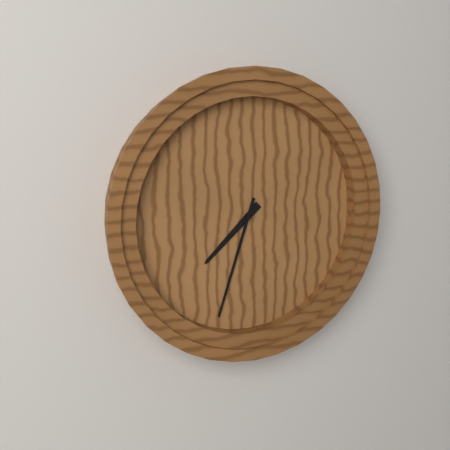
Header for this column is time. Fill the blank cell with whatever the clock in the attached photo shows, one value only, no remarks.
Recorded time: 7:33
